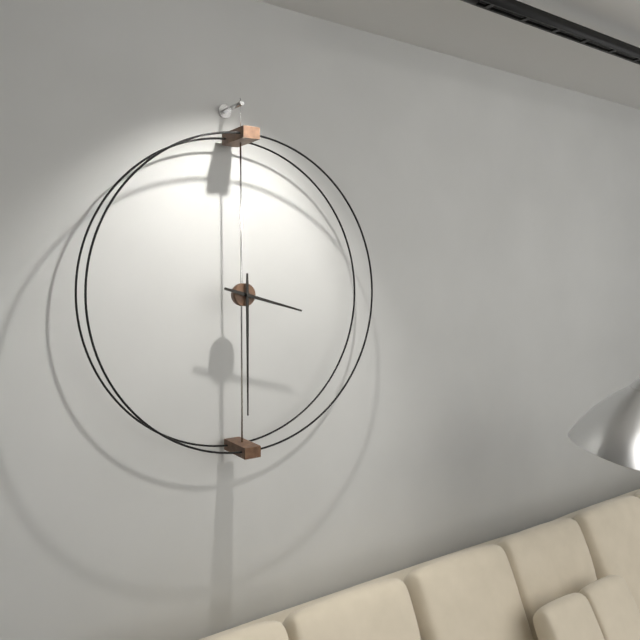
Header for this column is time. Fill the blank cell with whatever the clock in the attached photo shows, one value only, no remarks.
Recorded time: 3:30
